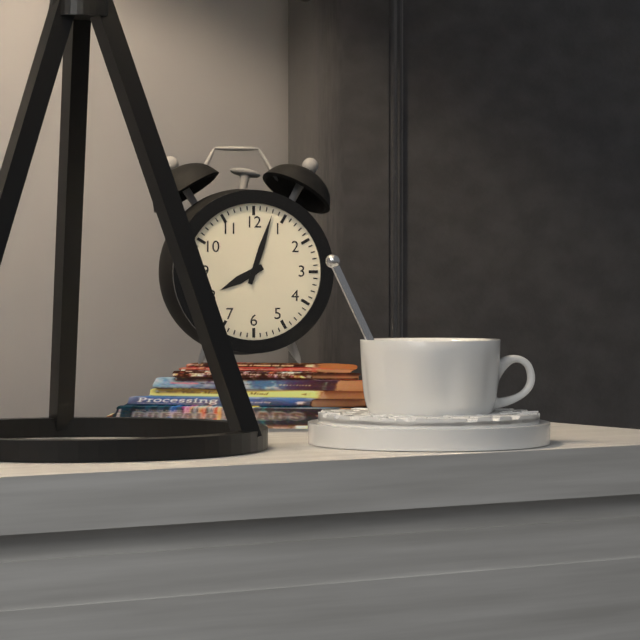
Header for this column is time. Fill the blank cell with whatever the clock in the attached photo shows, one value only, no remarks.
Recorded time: 8:03
